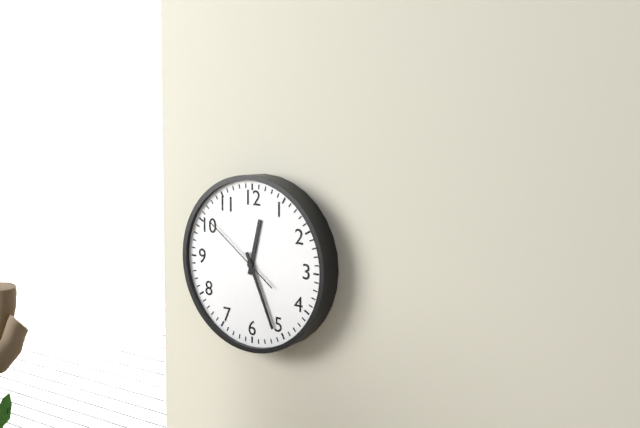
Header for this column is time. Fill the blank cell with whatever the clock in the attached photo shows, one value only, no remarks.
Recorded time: 12:26:51
